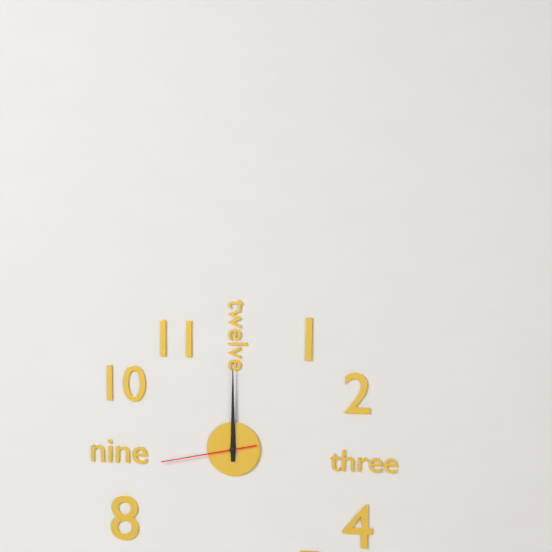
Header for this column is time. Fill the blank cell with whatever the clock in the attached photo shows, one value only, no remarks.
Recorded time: 12:00:43
